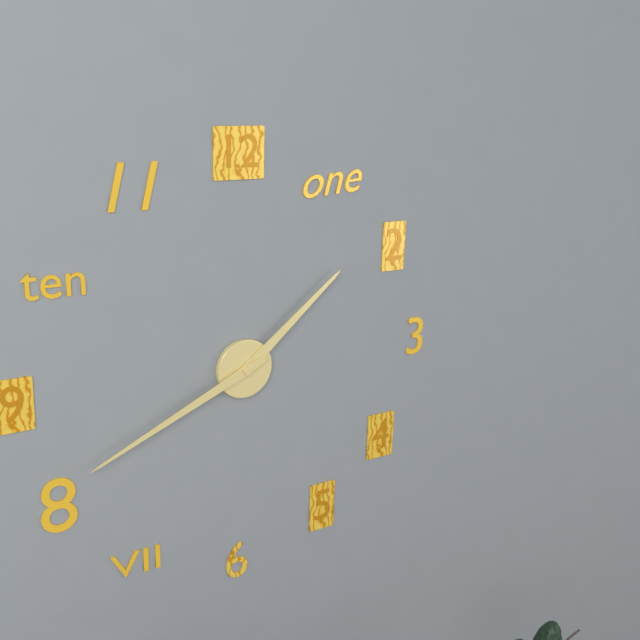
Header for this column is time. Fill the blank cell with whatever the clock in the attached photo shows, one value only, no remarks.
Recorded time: 1:41
